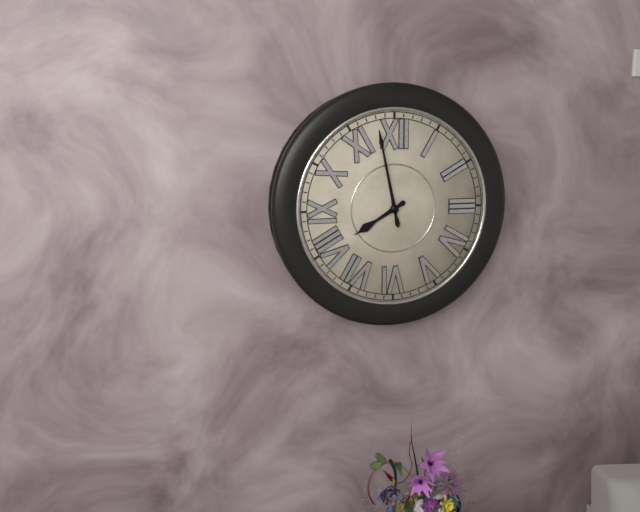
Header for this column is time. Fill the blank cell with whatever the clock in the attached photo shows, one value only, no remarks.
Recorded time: 7:58
